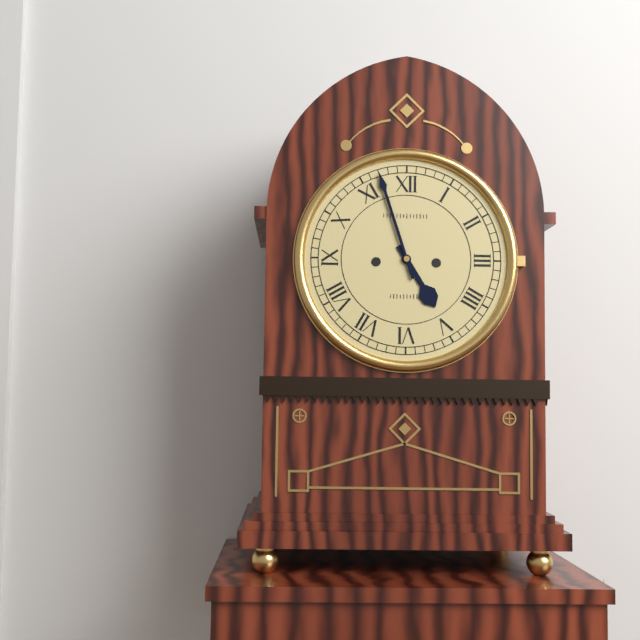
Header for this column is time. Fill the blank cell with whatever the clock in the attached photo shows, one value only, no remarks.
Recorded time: 4:57
